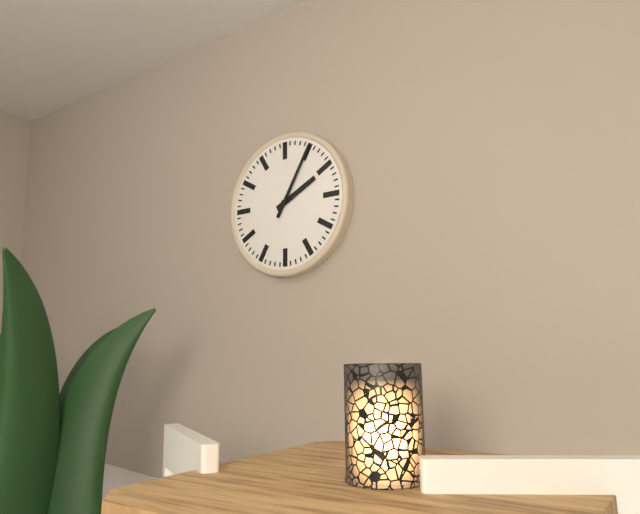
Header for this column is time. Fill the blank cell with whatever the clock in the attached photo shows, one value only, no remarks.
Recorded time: 2:05
